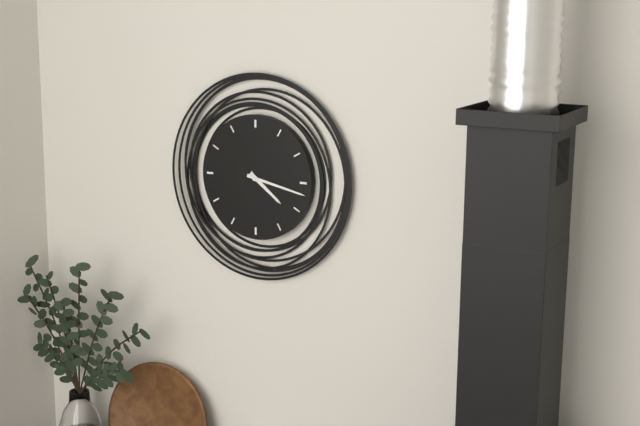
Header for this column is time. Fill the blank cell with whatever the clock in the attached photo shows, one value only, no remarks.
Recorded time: 4:17
